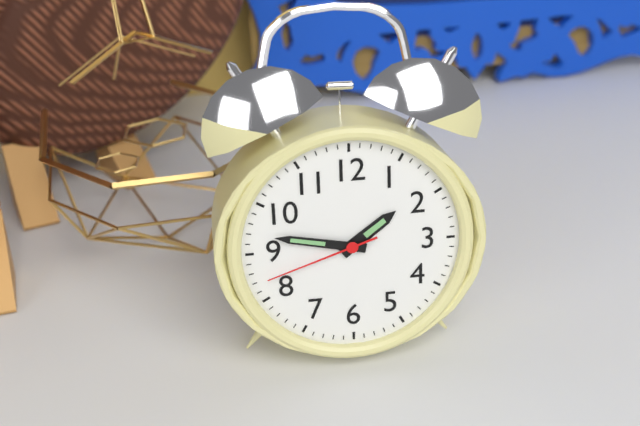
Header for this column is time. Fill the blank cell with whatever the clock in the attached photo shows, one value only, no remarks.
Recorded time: 1:47:42
